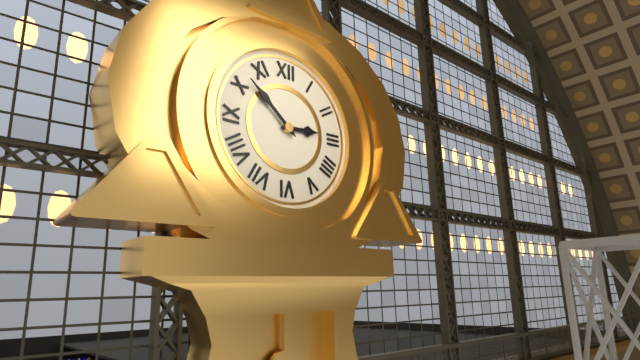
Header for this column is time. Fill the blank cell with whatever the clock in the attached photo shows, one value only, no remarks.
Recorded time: 2:52
